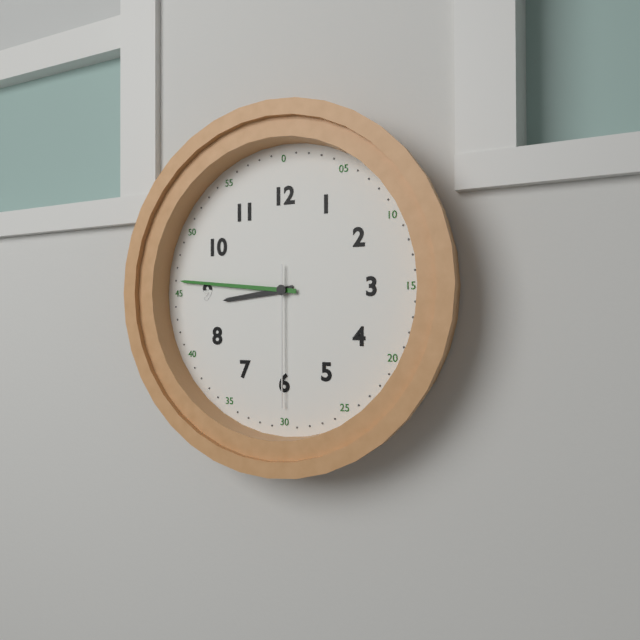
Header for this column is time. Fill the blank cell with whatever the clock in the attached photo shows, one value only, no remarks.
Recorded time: 8:46:30
